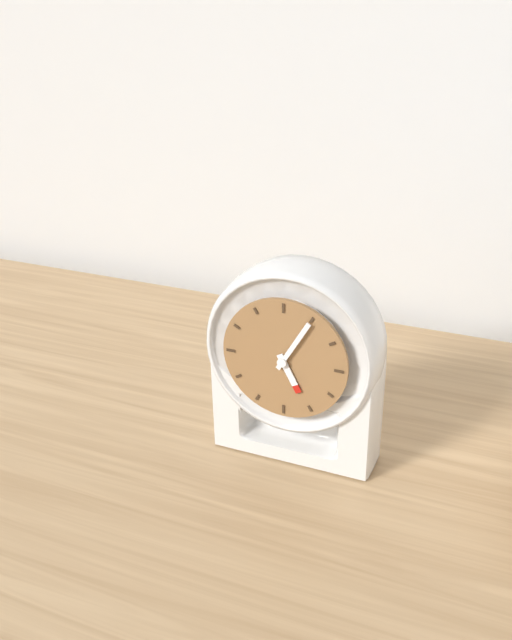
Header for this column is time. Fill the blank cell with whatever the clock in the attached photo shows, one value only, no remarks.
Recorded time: 5:05
